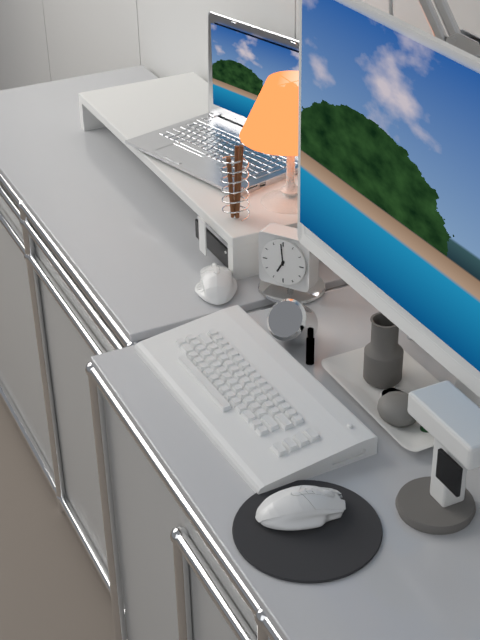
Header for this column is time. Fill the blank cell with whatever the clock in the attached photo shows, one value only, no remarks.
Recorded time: 6:59
